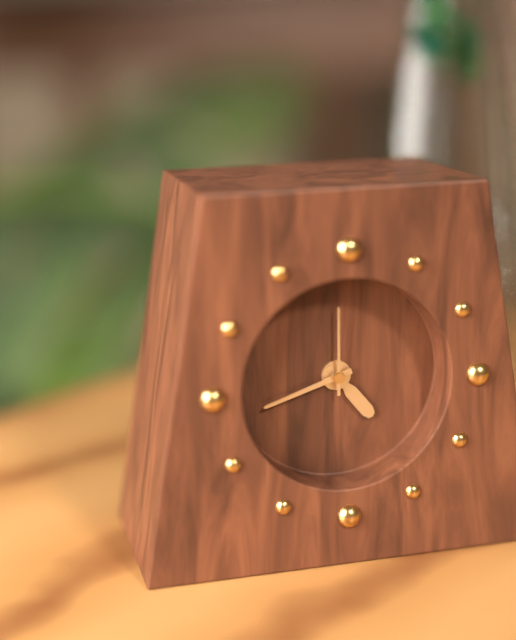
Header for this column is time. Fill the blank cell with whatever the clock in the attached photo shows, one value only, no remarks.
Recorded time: 4:42:00
